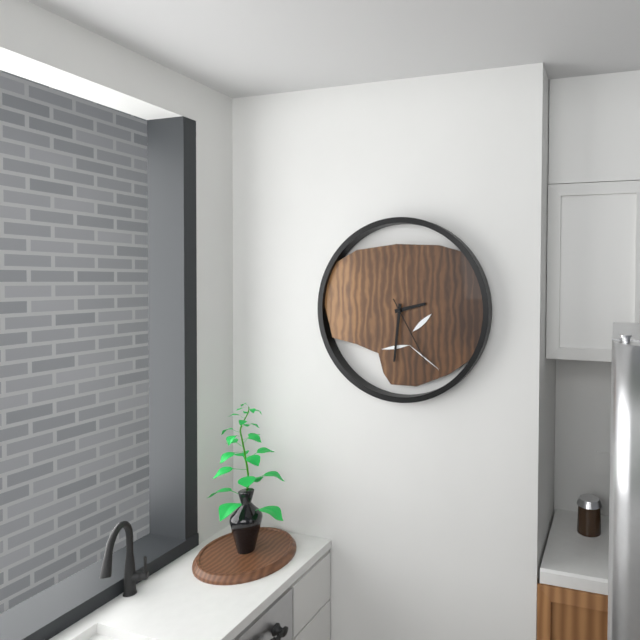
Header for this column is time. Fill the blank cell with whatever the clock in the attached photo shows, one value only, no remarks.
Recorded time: 2:31:25
